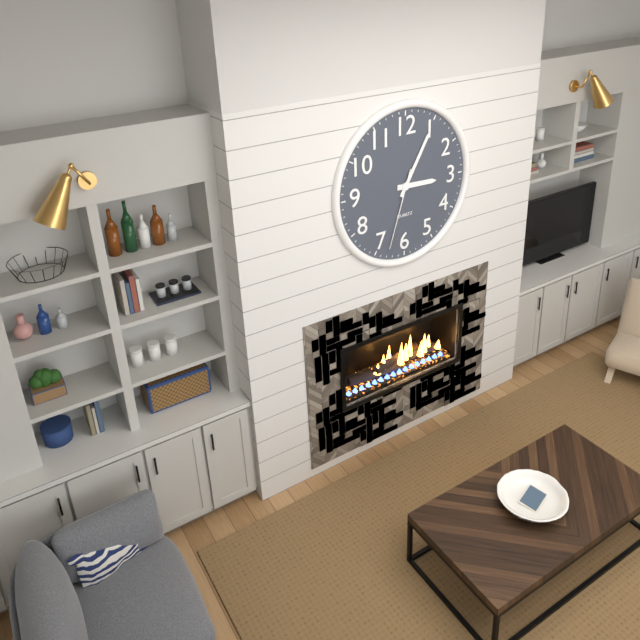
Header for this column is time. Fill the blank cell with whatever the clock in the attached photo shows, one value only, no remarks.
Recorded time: 3:05:33
